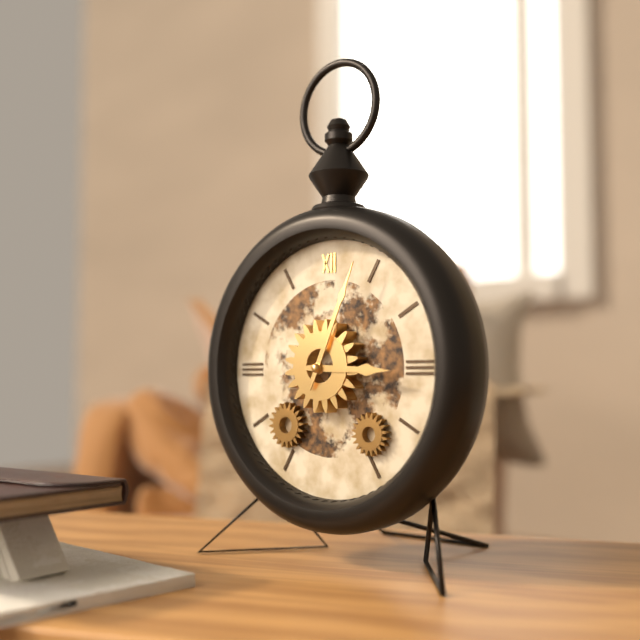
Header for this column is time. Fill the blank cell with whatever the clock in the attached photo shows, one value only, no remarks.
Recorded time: 3:04
